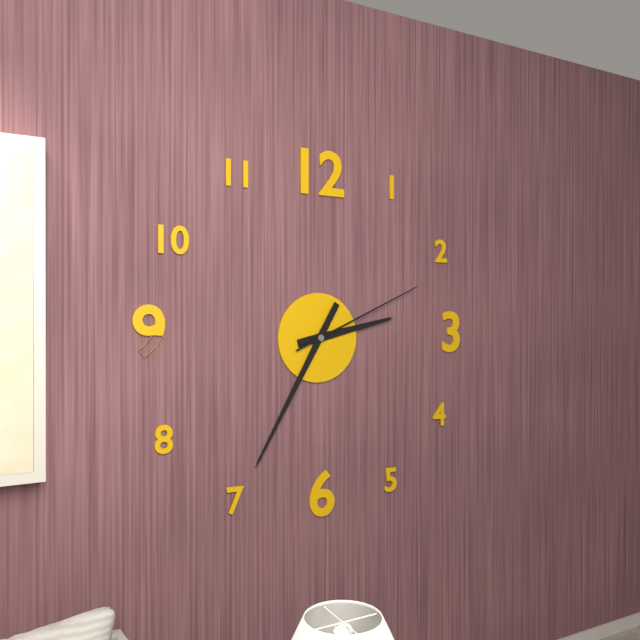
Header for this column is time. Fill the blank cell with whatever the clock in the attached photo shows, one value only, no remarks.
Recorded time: 2:35:11
